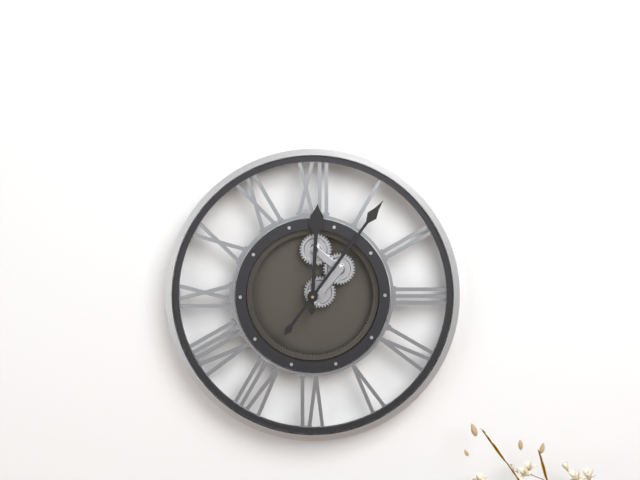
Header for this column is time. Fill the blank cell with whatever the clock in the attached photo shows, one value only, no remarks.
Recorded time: 12:06
